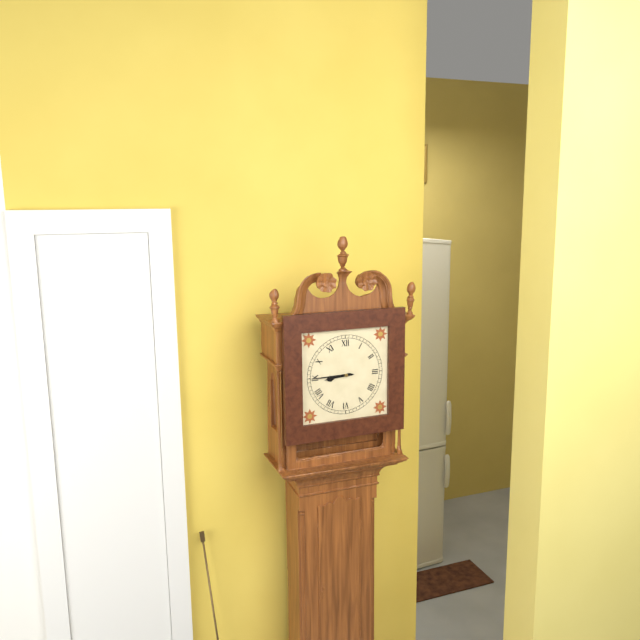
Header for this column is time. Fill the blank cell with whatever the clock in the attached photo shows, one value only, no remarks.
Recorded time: 8:45
